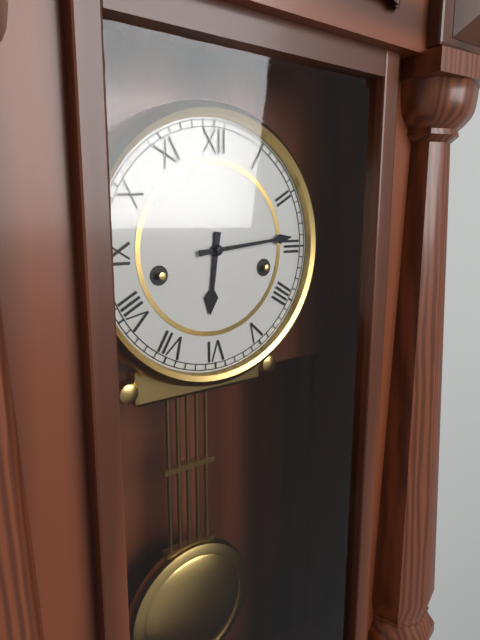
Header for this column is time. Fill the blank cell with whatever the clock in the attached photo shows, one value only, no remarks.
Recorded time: 6:14
